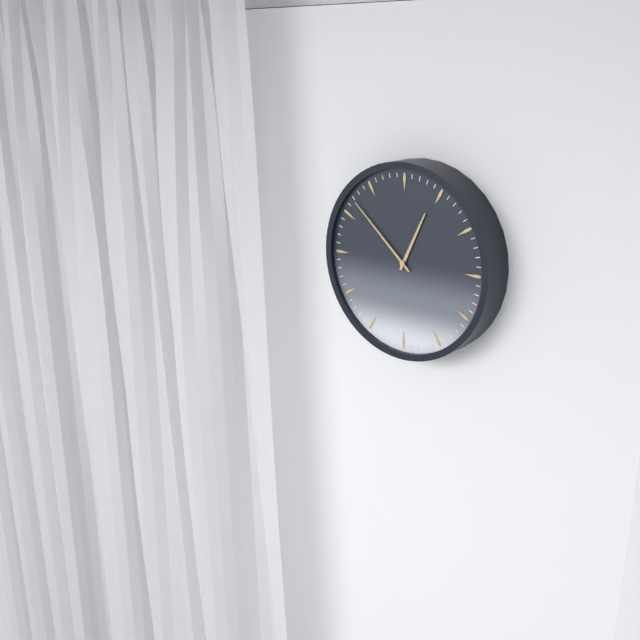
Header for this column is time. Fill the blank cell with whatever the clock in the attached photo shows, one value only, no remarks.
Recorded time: 12:52
